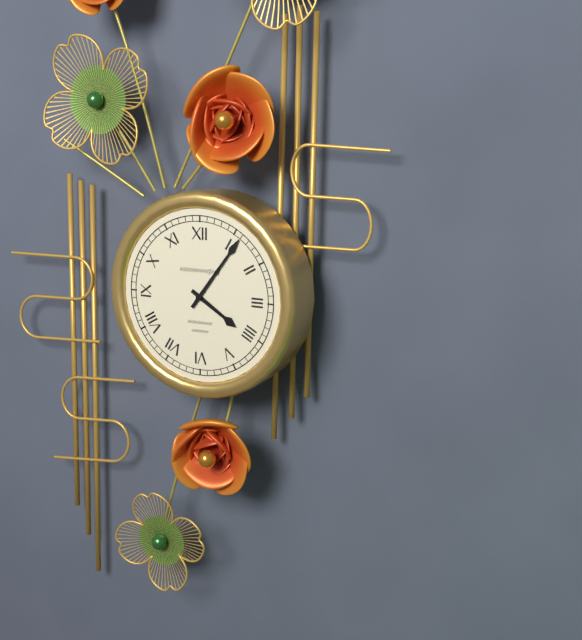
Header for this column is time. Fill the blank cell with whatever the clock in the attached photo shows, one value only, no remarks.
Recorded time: 4:06
